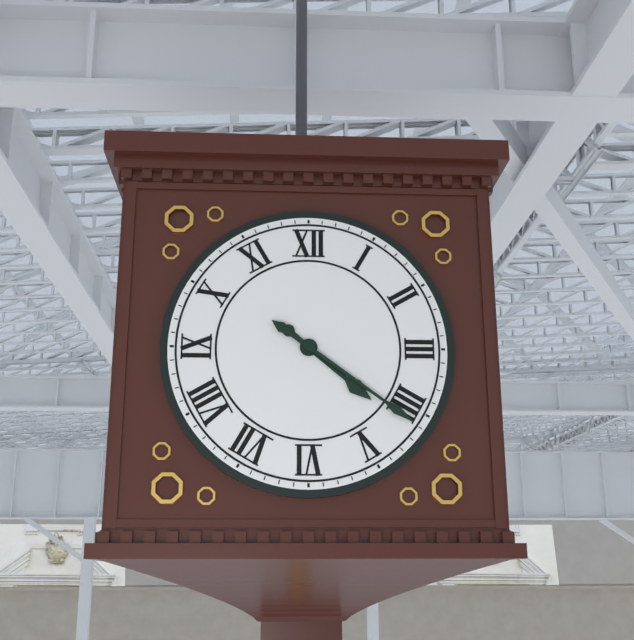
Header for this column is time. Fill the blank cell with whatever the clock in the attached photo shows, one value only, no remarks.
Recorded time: 4:21
